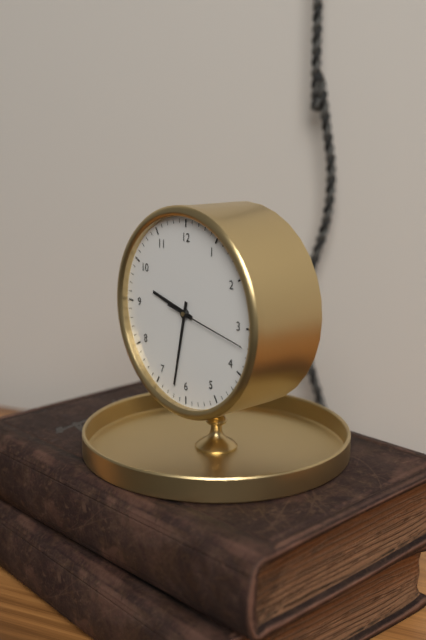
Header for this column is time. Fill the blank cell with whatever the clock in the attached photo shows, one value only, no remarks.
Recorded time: 9:32:17
